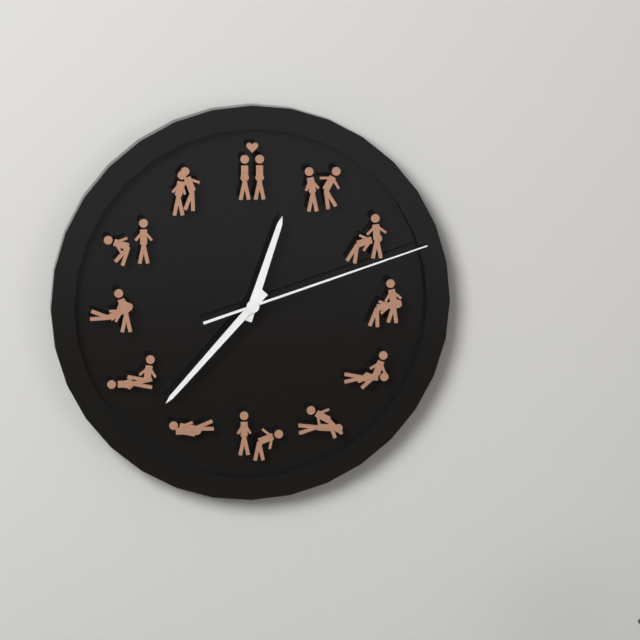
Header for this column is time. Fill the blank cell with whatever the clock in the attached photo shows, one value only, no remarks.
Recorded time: 12:37:12
